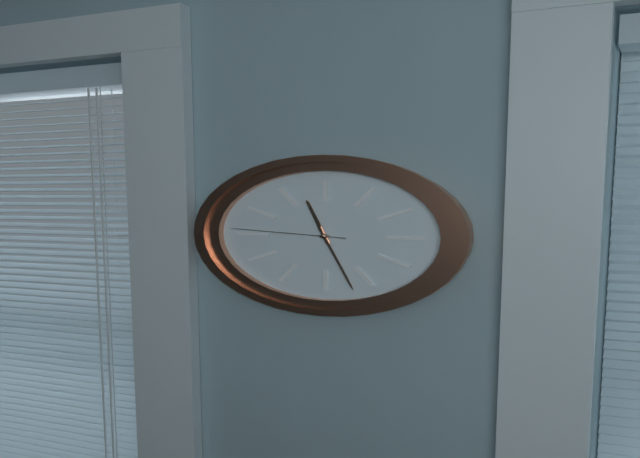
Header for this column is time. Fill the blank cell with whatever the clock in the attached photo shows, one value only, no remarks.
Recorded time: 11:27:46
